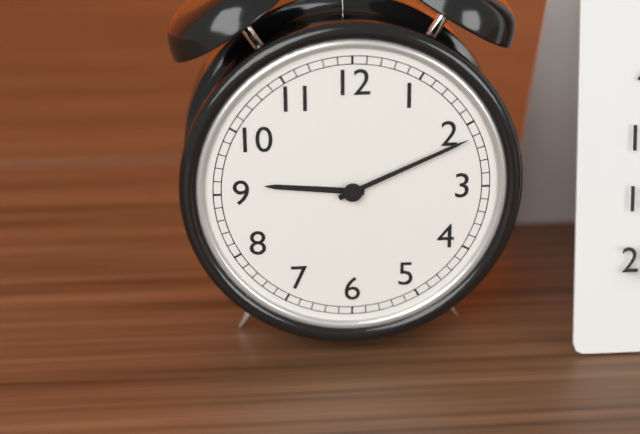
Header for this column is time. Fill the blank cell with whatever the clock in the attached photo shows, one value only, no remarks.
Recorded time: 9:11
